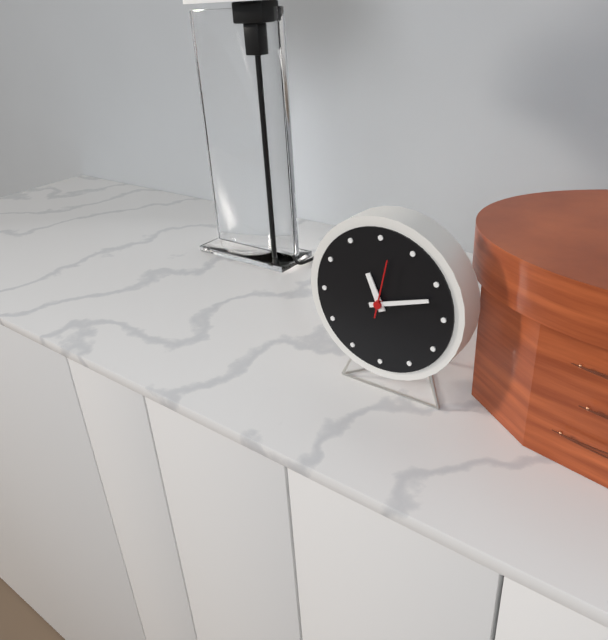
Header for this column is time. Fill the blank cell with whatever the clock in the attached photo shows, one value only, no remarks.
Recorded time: 11:12:02
